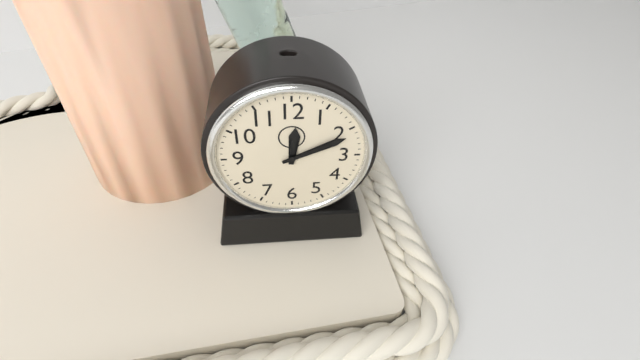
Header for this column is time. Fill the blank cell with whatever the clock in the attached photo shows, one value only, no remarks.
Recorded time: 12:11
